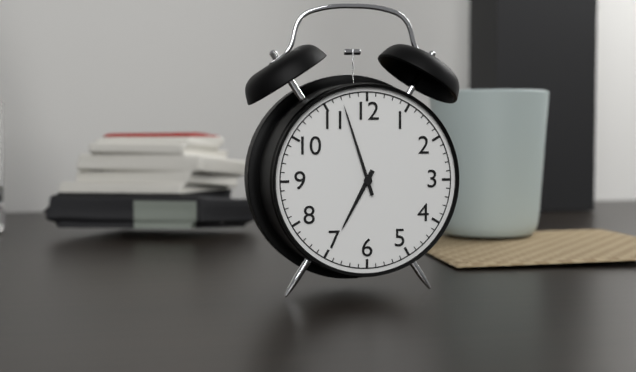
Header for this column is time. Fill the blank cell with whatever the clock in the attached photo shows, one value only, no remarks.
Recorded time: 6:57
